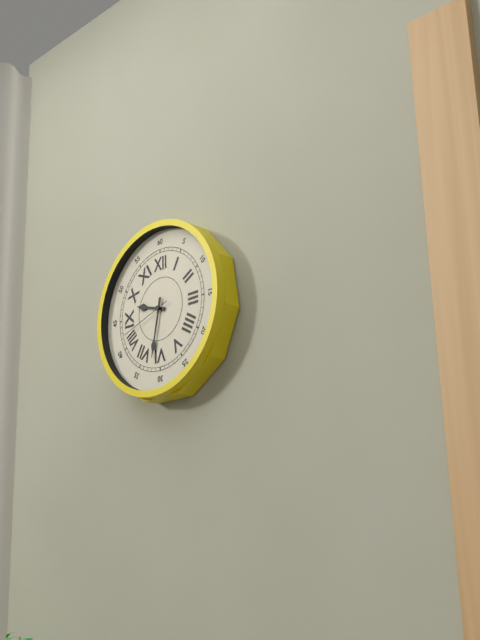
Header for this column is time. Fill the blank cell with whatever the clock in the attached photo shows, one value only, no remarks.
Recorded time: 9:32:42
